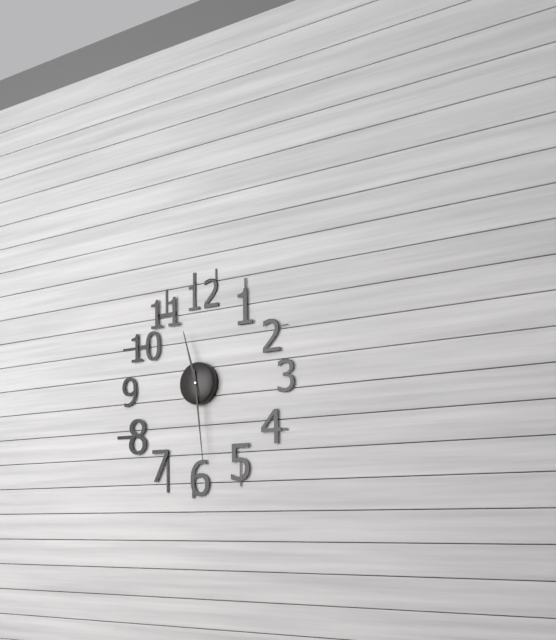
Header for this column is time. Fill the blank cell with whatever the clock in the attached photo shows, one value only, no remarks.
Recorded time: 11:29
